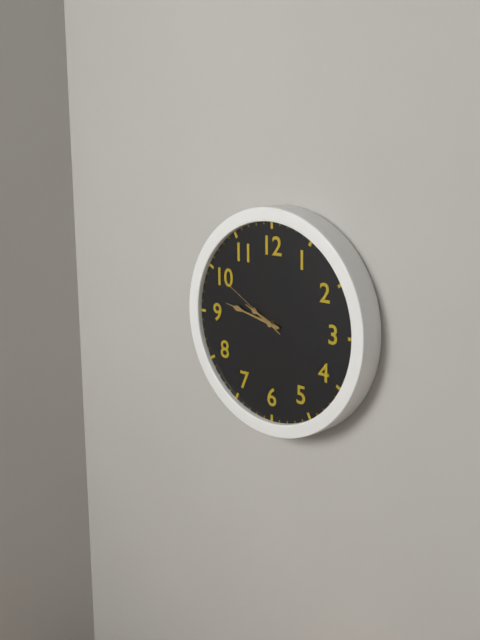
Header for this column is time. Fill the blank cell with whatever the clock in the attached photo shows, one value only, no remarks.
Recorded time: 9:47:50
